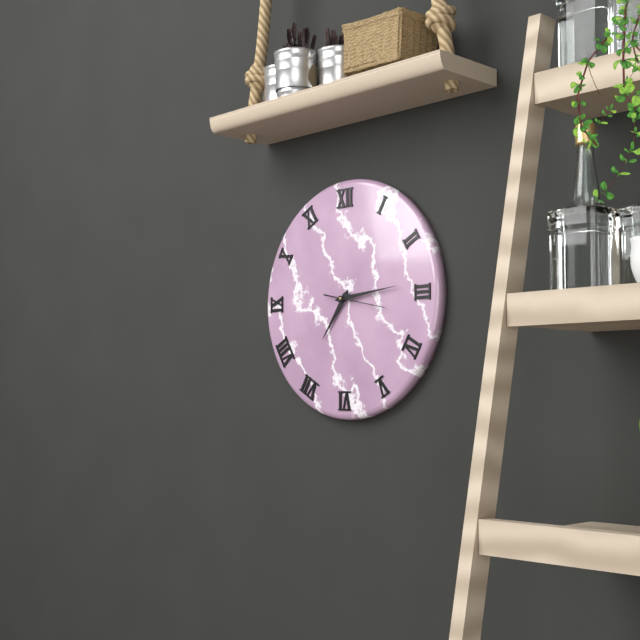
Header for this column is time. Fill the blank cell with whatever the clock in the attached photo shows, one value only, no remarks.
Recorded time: 7:14
